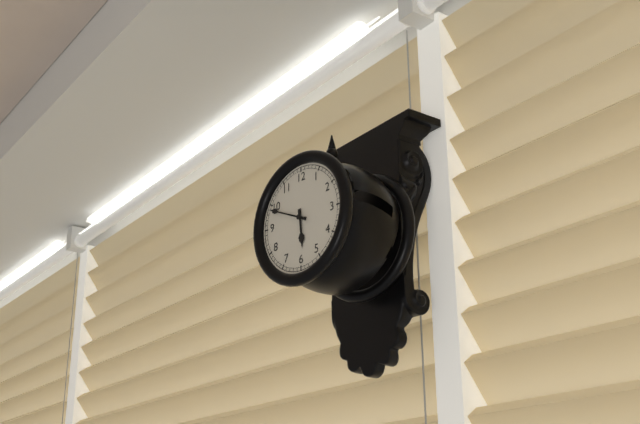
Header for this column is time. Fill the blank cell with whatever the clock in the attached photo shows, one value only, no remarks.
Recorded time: 5:49
